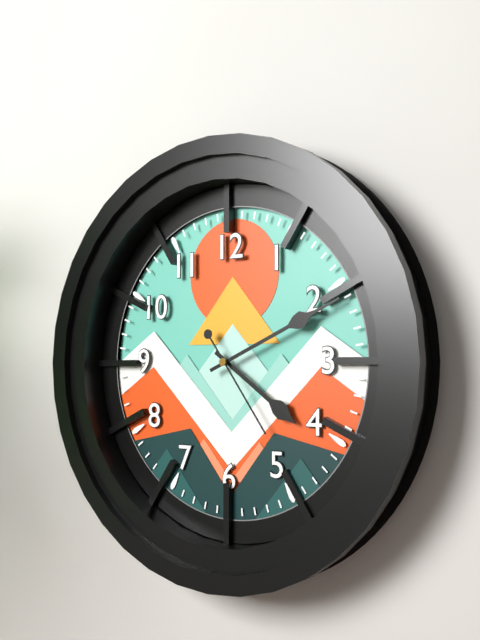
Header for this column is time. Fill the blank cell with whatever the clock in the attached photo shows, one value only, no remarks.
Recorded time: 4:11:24
